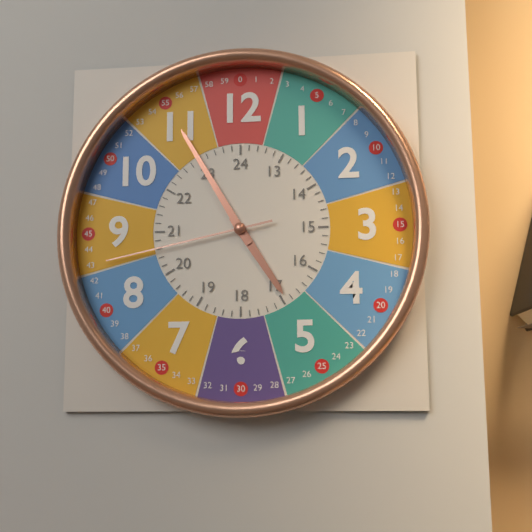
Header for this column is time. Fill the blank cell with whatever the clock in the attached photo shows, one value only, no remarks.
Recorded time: 4:55:43
